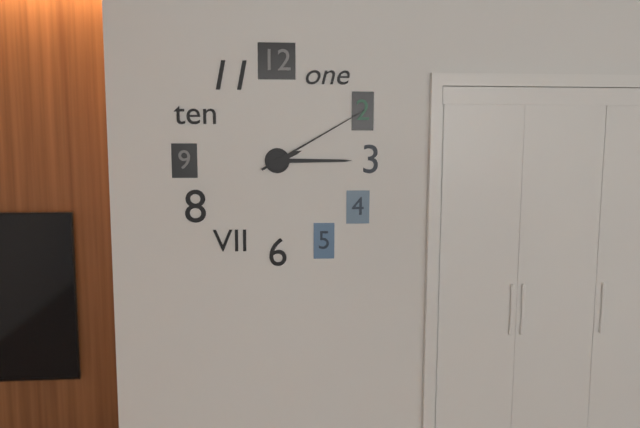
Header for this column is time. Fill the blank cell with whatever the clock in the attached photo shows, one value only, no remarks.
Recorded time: 2:15:10
